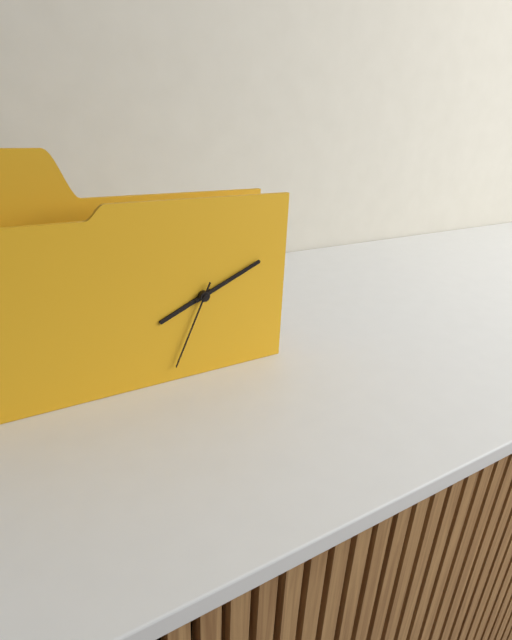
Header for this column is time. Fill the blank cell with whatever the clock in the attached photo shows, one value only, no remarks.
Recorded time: 8:11:34
